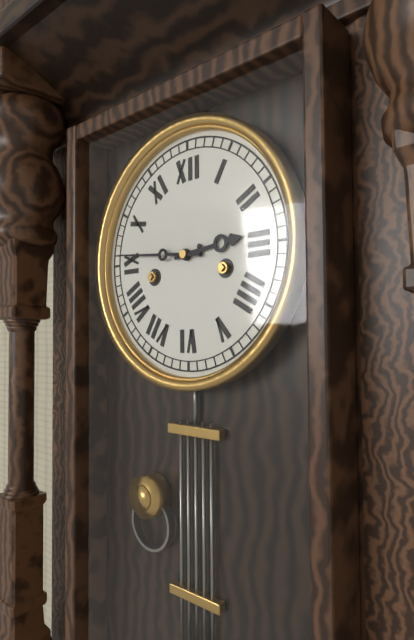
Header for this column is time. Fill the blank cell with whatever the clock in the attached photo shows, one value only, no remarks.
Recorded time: 2:46
